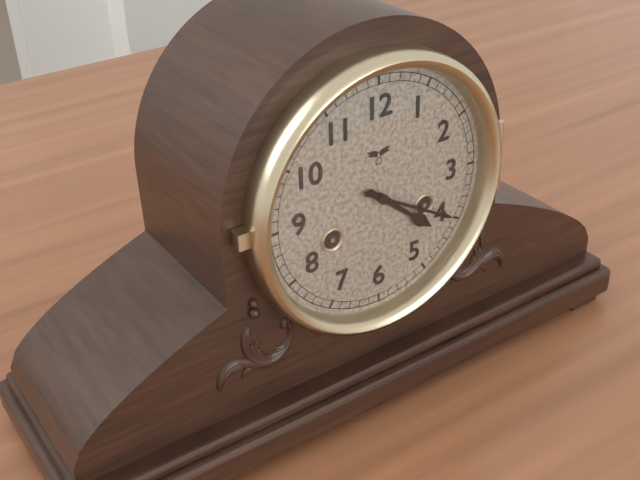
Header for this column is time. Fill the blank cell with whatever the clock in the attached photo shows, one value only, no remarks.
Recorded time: 4:20
